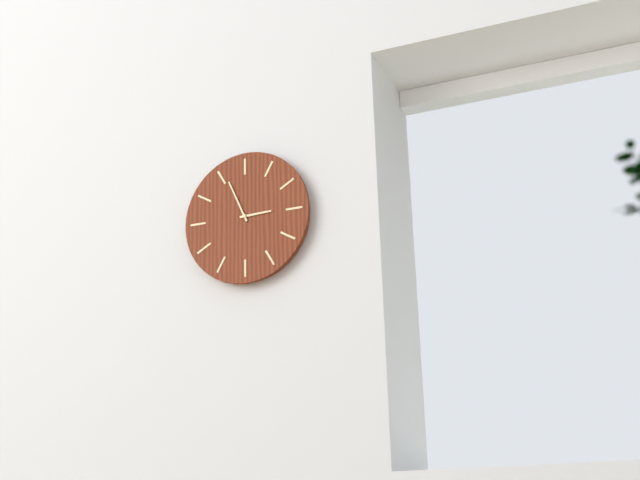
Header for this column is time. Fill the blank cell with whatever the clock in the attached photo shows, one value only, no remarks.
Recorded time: 2:56
